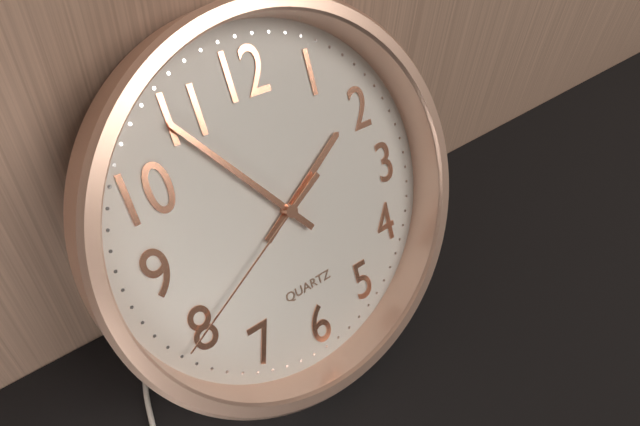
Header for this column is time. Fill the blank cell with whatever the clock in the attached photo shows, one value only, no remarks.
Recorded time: 1:54:40
